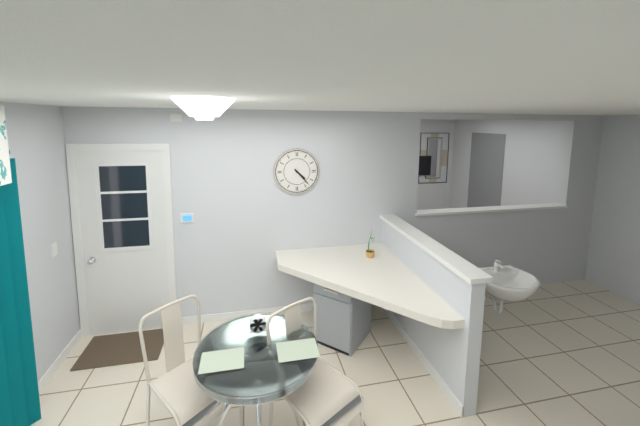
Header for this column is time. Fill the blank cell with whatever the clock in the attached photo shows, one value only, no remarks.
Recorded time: 4:23
